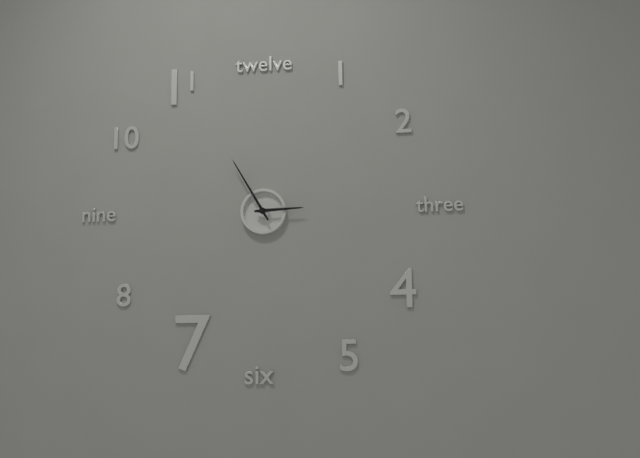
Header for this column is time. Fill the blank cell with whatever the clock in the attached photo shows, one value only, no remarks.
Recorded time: 2:55
